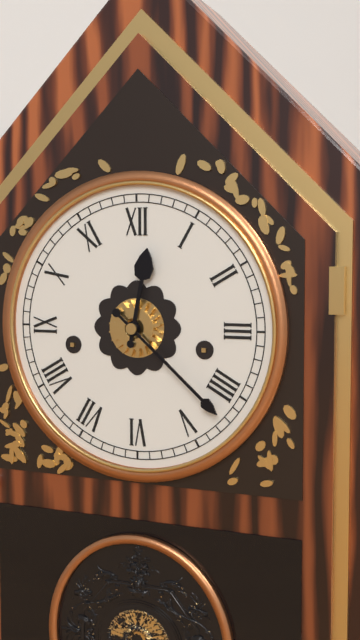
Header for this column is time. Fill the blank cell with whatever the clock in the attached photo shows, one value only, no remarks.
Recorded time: 12:22
